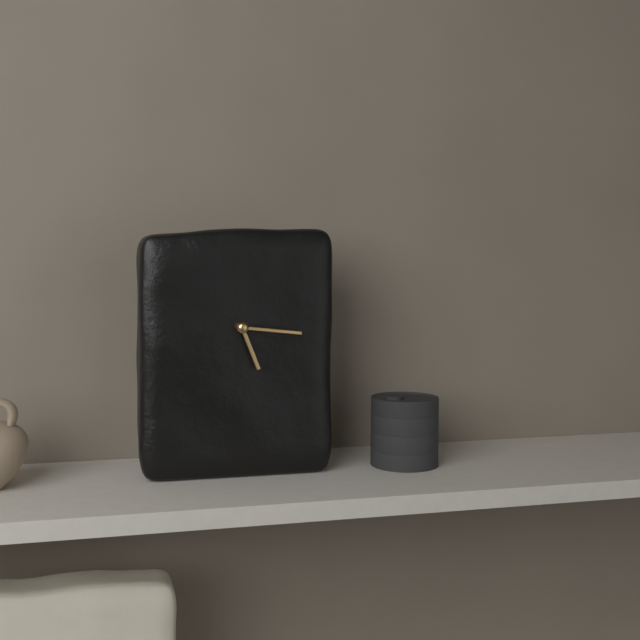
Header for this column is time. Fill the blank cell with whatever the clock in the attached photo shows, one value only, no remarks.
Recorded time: 5:16
